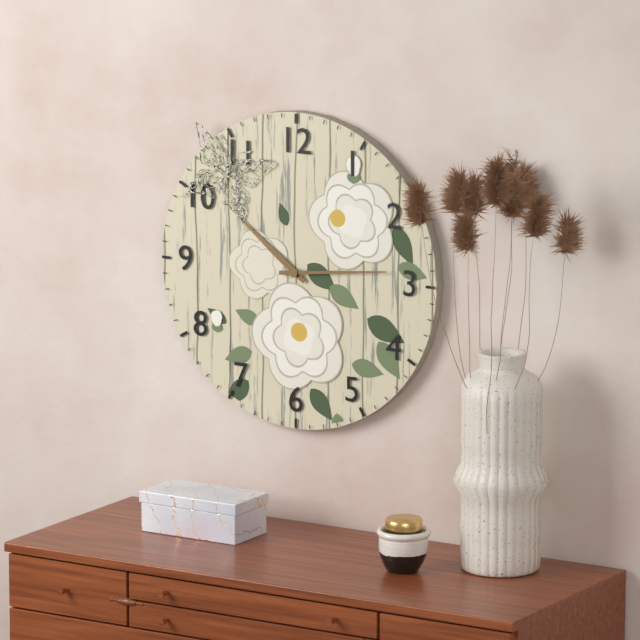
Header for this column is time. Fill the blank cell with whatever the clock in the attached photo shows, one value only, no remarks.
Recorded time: 10:14
